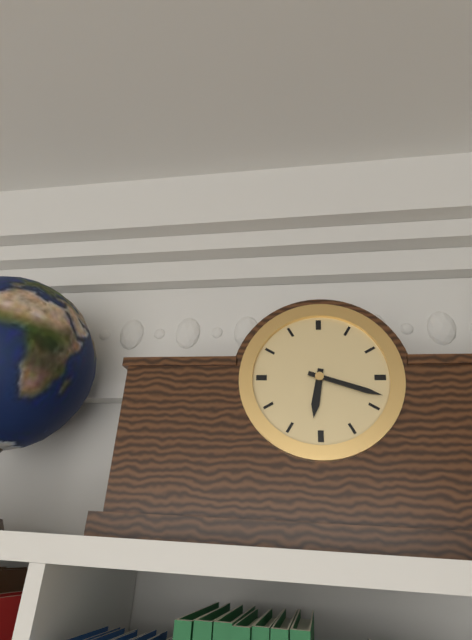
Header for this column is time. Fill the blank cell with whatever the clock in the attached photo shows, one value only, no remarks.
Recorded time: 6:18
